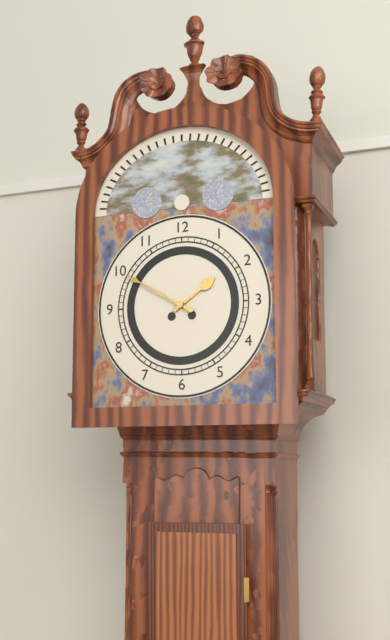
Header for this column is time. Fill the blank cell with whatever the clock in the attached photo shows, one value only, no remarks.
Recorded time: 1:50
